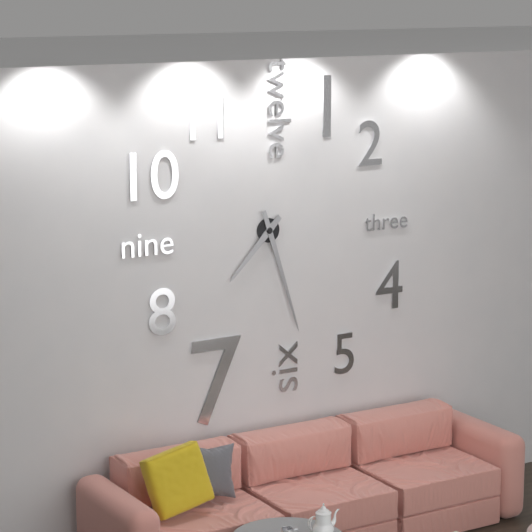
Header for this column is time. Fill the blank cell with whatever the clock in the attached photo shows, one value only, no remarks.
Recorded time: 7:27
